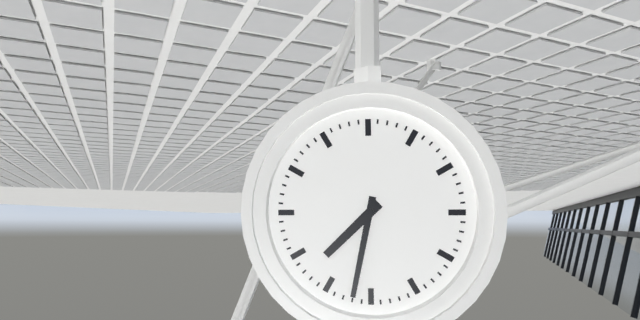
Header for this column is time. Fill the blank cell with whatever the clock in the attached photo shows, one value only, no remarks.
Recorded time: 7:32
